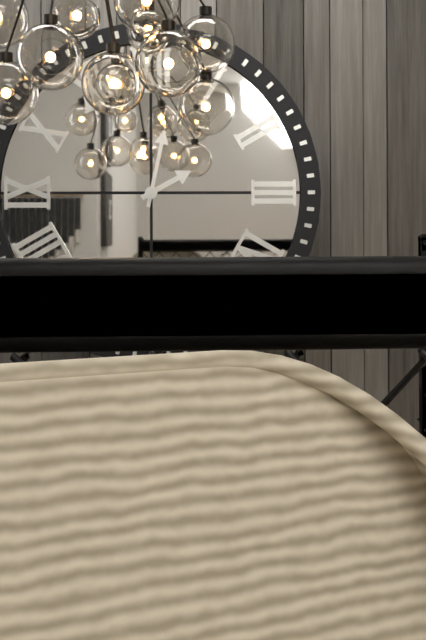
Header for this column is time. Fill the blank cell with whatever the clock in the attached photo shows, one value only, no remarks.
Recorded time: 2:02
